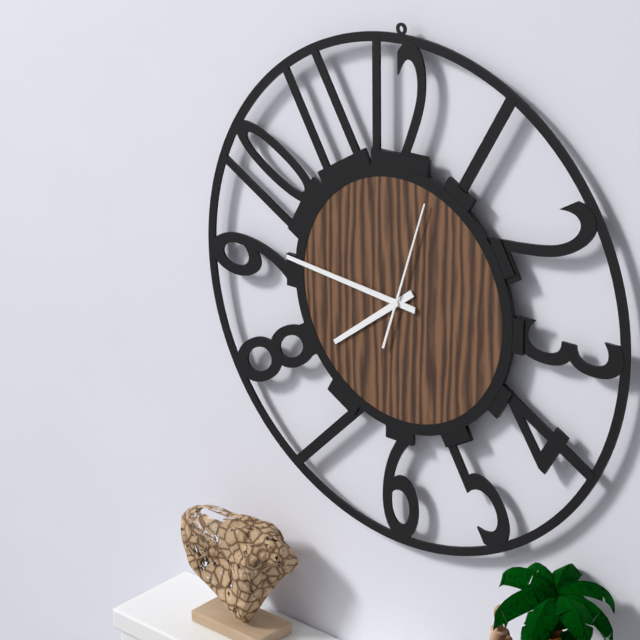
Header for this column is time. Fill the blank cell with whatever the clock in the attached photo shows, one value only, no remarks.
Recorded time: 7:46:03
